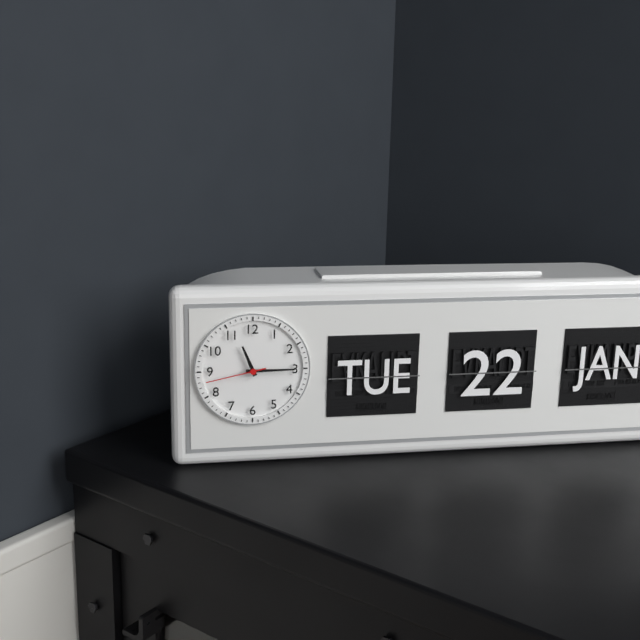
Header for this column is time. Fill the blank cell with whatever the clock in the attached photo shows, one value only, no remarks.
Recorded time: 11:15:43
